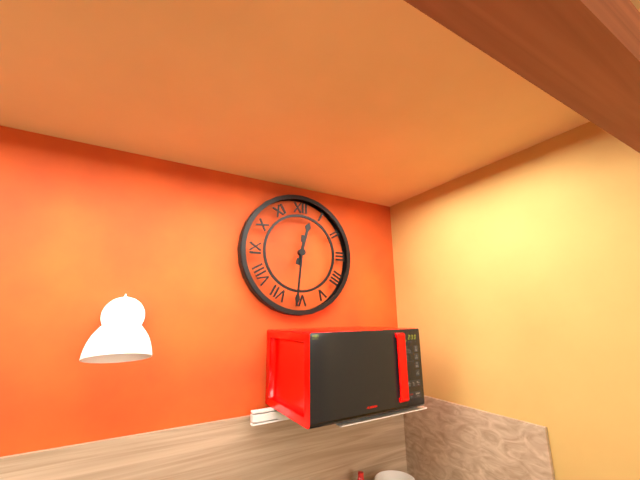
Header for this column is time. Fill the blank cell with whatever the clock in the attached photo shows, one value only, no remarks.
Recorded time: 12:31
